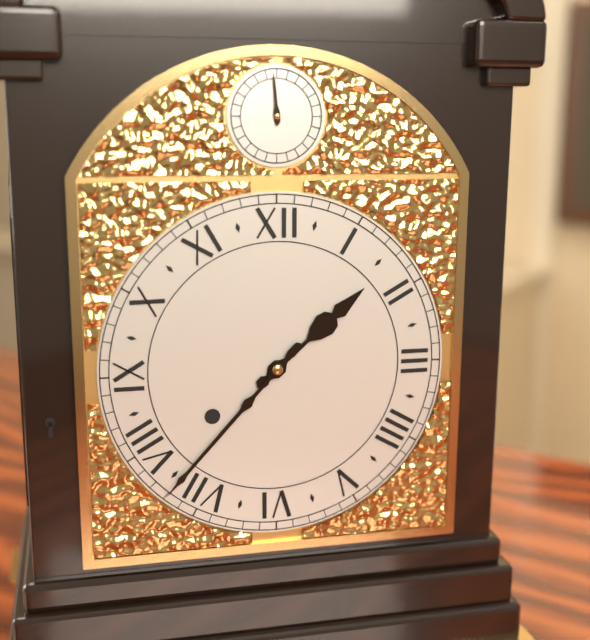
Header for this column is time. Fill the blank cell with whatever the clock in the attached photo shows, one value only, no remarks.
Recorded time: 1:37
